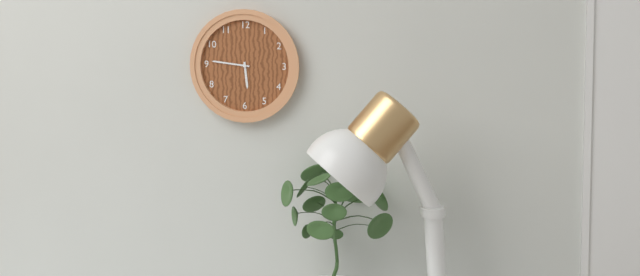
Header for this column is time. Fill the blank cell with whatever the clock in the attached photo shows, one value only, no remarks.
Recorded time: 5:46
